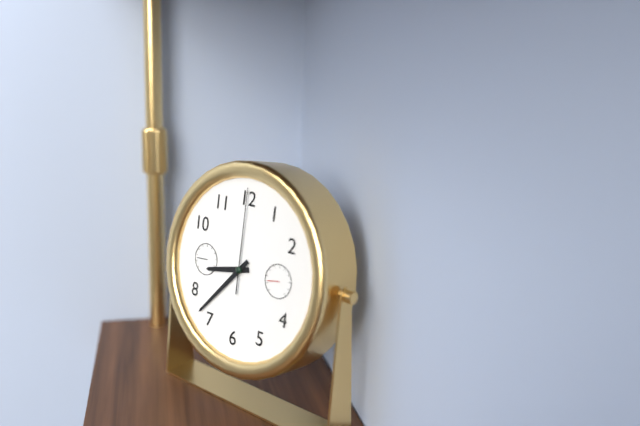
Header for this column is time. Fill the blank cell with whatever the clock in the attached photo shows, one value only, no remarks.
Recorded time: 8:37:00
